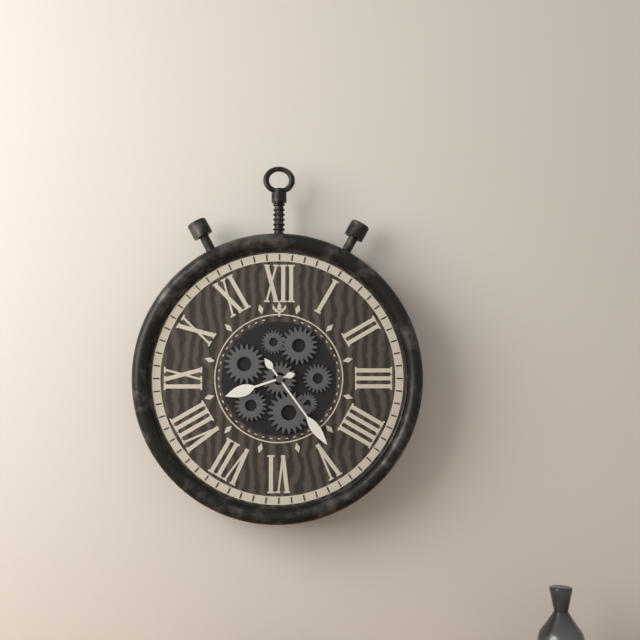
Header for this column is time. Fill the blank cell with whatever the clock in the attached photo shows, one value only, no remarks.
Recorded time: 8:24
